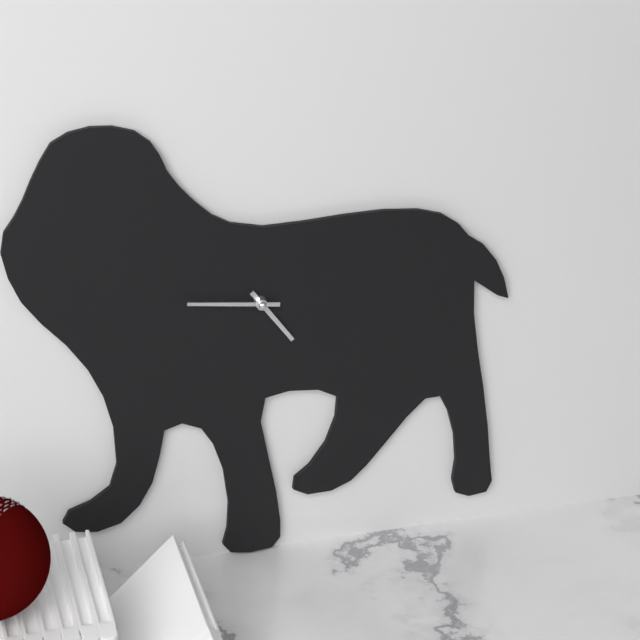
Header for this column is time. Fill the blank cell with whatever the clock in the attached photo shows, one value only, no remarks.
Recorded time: 4:46
